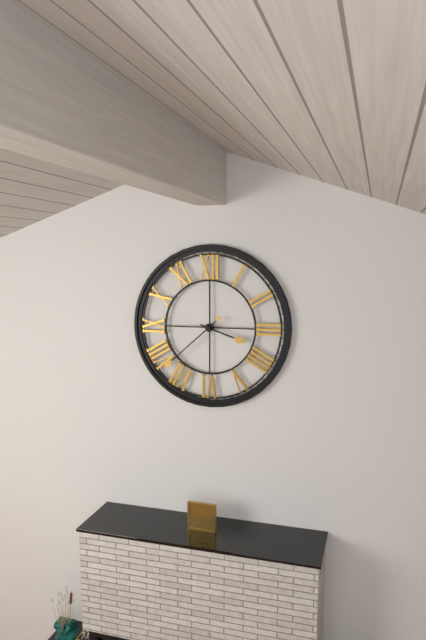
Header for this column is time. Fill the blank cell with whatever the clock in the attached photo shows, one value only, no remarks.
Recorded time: 3:38
